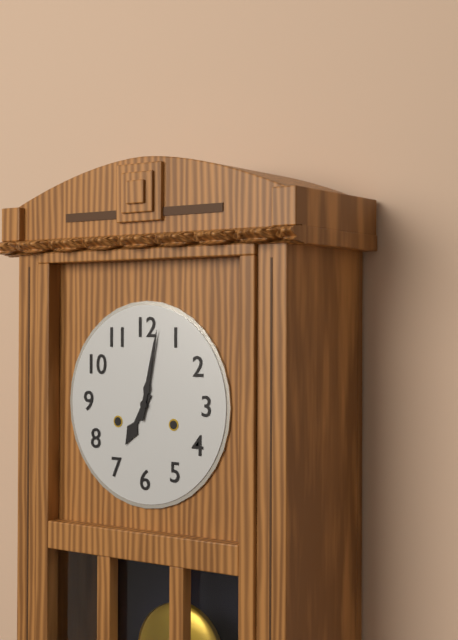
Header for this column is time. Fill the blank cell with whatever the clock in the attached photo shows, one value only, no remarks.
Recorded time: 7:02
